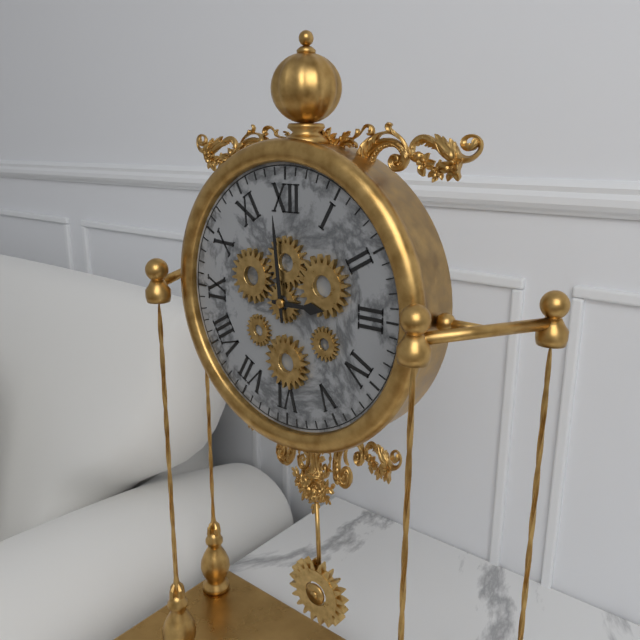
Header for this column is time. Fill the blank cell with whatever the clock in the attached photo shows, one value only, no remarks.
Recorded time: 2:59
